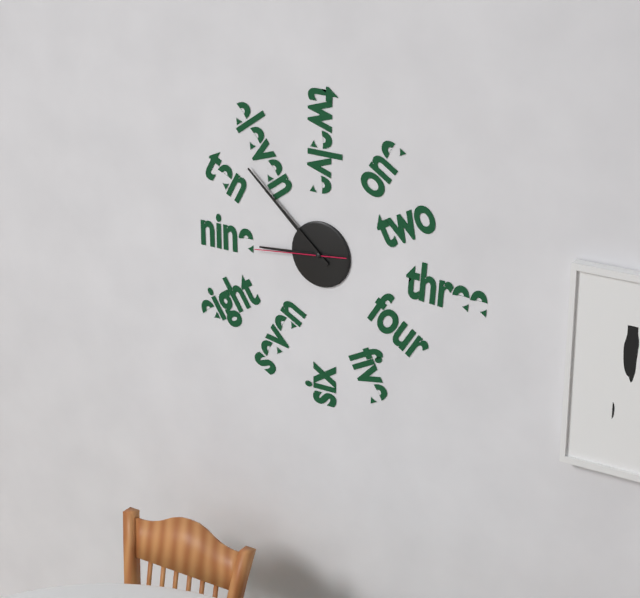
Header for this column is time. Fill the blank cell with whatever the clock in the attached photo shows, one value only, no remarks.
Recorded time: 8:52:44
